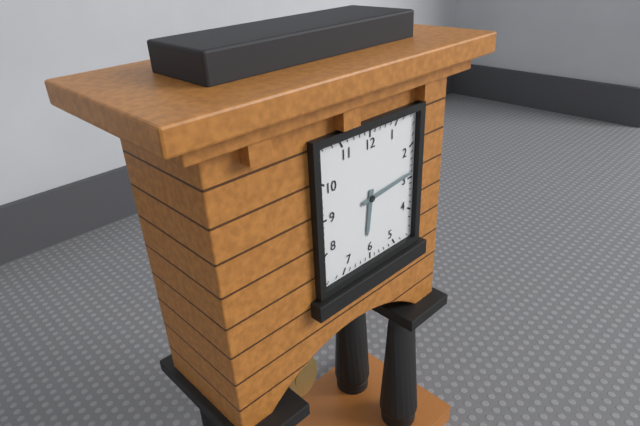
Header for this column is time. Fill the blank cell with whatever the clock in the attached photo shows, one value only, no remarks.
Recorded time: 6:14
